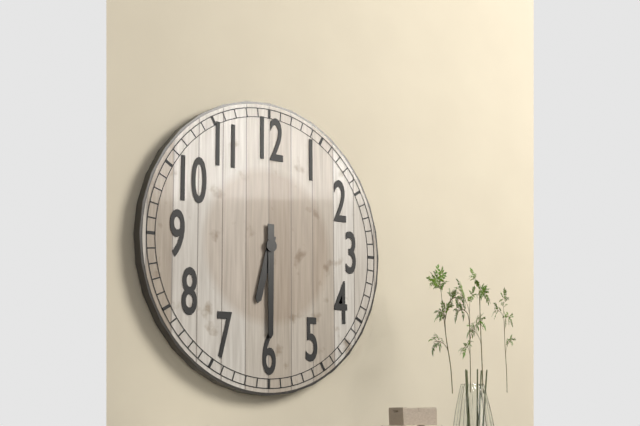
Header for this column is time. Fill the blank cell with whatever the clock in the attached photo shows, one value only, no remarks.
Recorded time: 6:30
